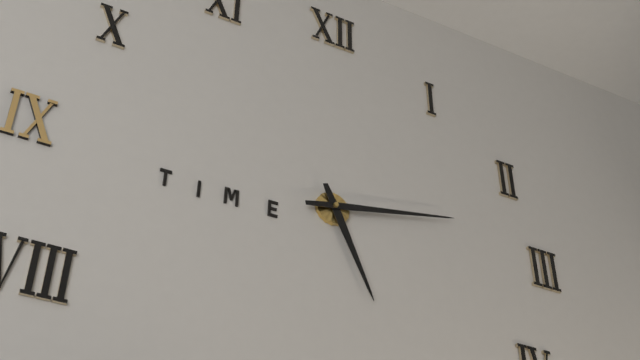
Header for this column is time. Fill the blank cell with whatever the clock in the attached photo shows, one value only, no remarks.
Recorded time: 5:13
